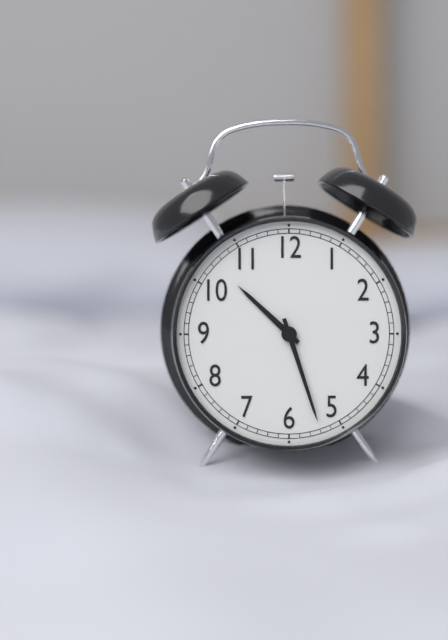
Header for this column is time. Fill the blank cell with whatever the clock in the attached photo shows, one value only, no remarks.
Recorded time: 10:27
